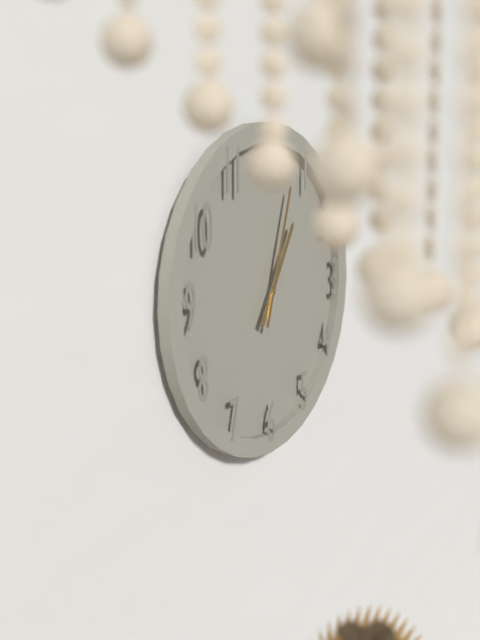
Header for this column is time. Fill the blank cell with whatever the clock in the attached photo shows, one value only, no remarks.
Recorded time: 1:03
